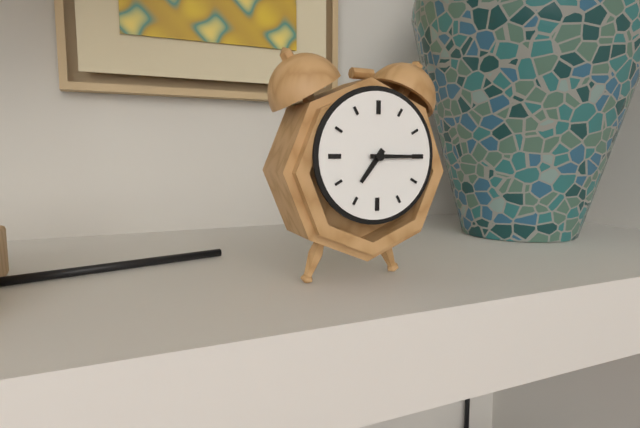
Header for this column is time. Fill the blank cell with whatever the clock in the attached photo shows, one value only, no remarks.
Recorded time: 7:15
